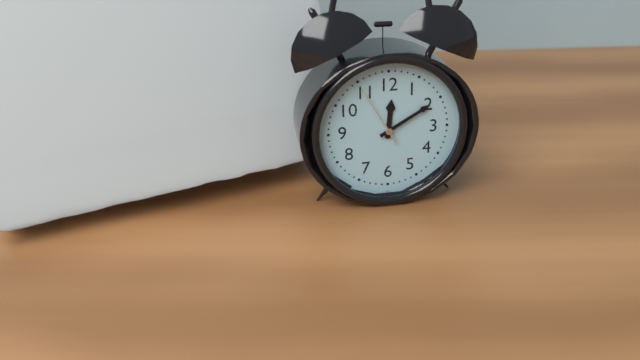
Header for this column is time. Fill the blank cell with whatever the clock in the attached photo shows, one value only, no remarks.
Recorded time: 12:10:55
